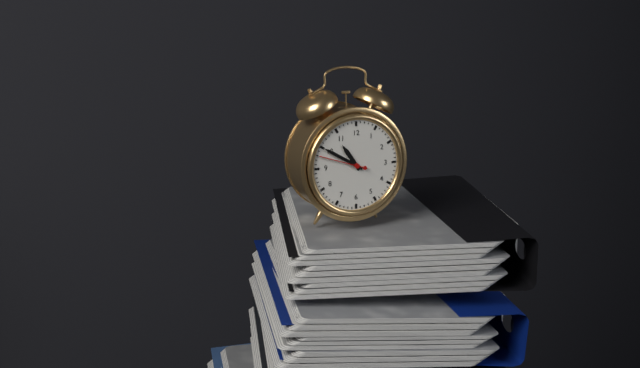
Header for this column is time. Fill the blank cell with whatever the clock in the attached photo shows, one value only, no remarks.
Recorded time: 10:50
